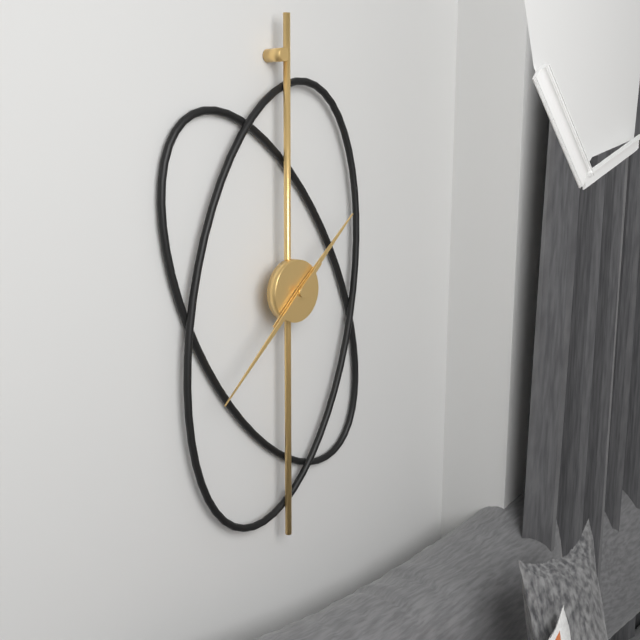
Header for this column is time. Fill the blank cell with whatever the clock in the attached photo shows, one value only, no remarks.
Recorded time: 1:38
